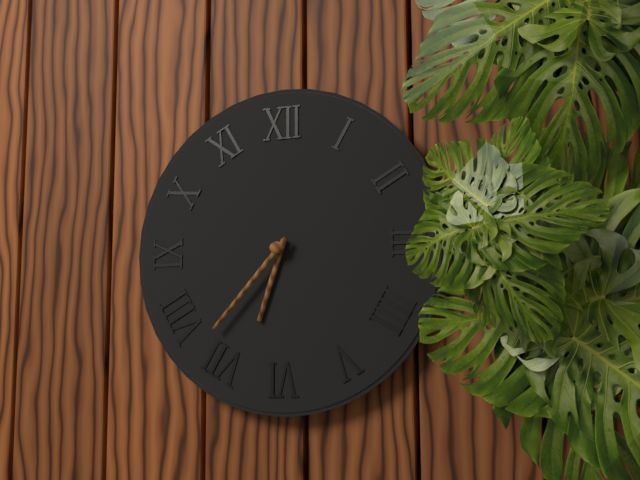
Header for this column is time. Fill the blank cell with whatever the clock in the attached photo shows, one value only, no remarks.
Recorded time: 6:37
